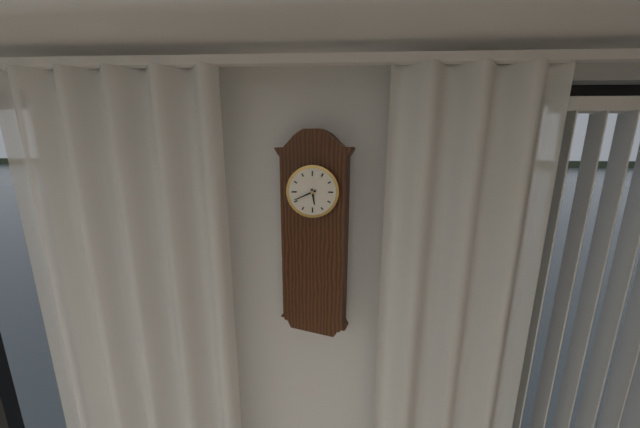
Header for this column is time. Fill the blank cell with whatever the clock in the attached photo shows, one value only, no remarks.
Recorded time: 5:41
